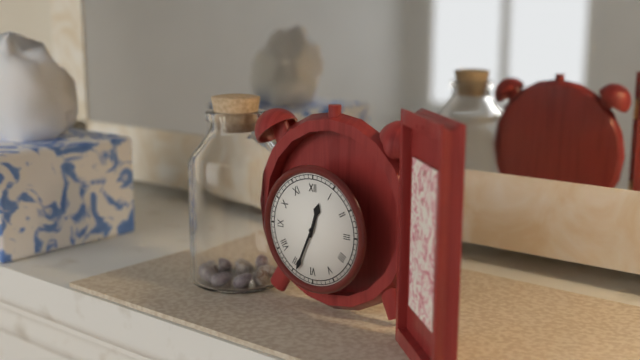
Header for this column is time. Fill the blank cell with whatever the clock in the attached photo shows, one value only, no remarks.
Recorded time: 12:34
